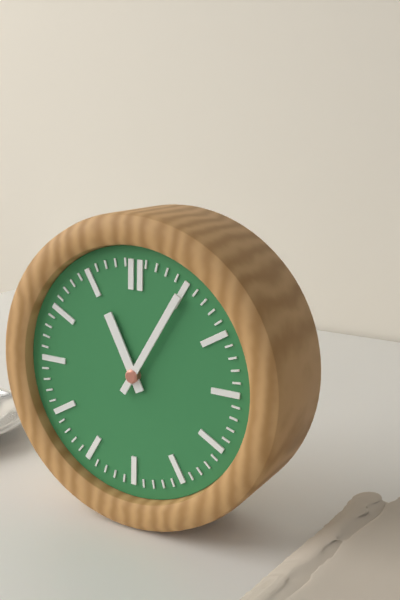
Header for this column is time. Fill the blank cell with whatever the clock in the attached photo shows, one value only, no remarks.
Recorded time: 11:05
